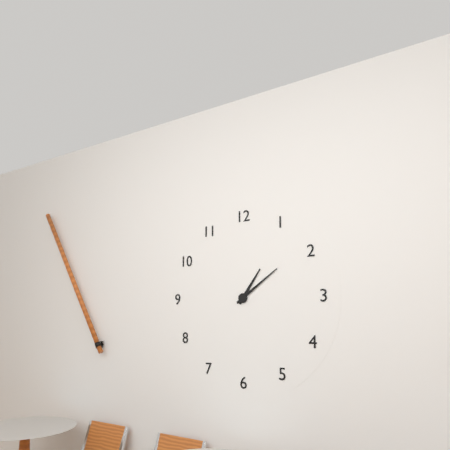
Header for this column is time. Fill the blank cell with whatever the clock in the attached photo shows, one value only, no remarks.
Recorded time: 1:09
